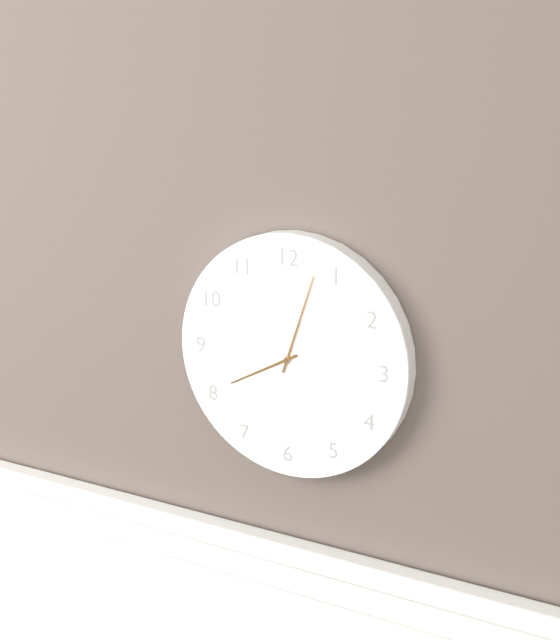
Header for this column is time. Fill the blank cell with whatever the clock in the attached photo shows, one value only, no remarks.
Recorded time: 8:03
